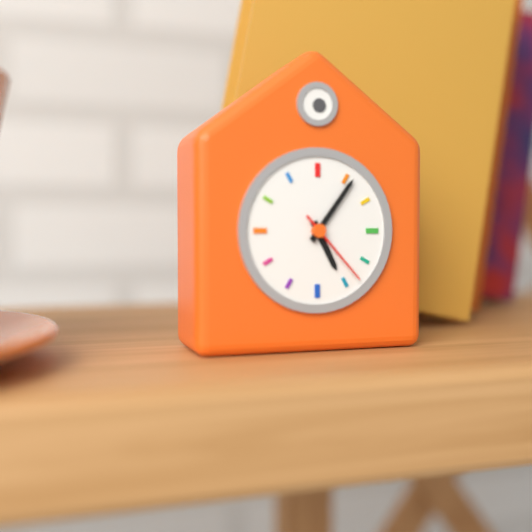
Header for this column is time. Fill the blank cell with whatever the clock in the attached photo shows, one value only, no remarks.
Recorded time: 5:06:23
